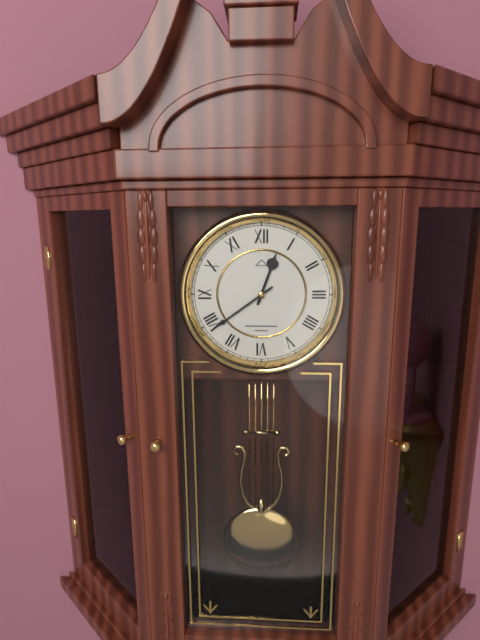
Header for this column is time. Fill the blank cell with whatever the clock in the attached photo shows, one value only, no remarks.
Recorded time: 12:39
